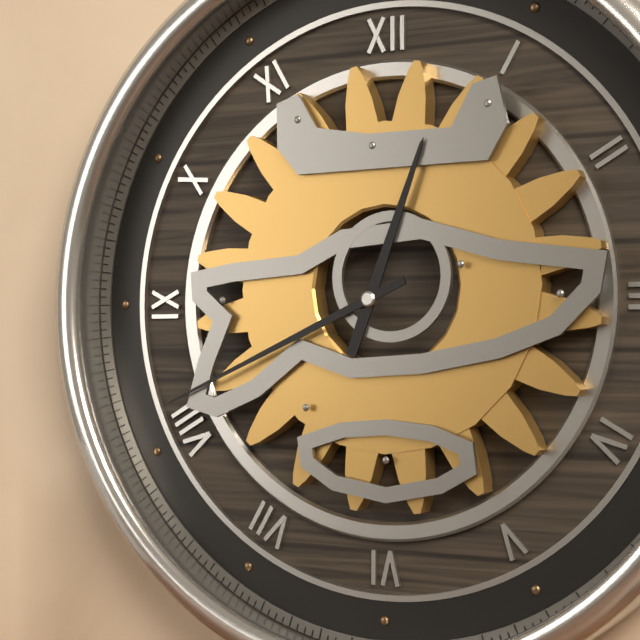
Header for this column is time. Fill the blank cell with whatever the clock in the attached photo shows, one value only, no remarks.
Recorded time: 12:41
